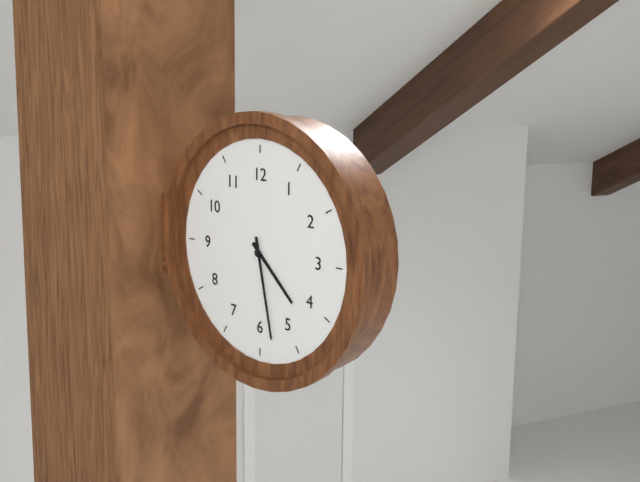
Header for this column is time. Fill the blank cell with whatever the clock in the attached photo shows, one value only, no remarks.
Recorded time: 4:28
